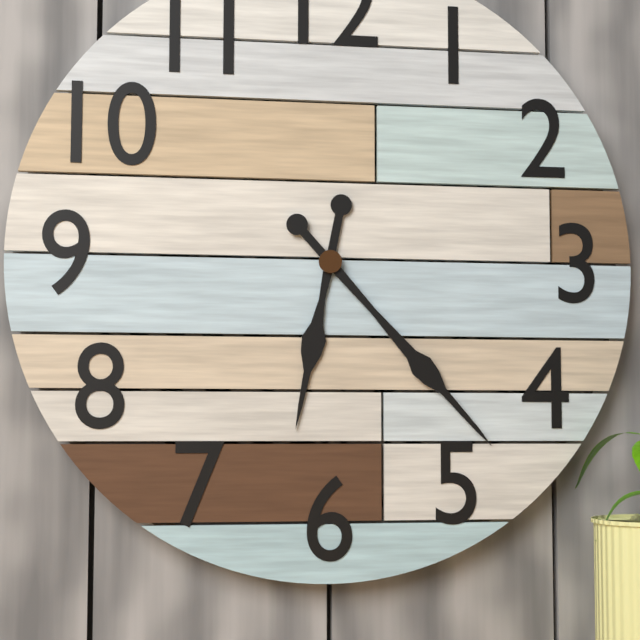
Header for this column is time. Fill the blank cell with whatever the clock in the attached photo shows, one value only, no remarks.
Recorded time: 6:23
